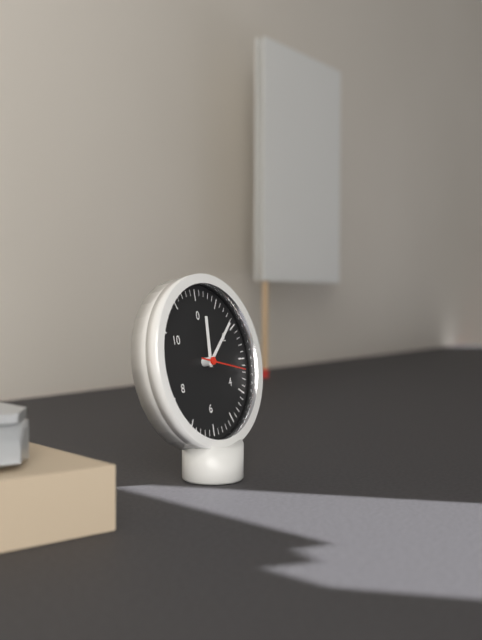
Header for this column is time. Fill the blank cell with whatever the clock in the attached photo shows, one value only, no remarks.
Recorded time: 12:08:17
